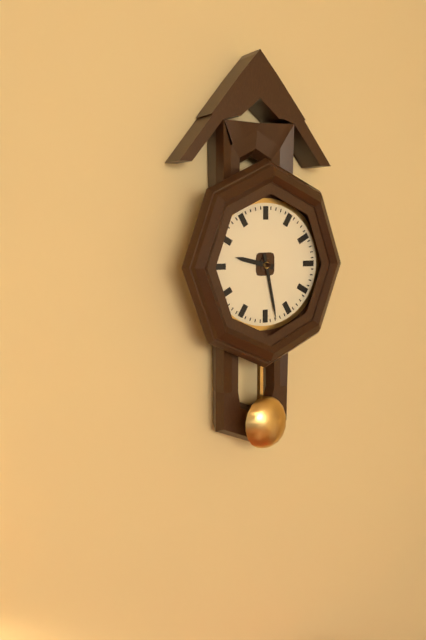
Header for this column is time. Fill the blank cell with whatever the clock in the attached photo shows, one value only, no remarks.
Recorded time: 9:28
